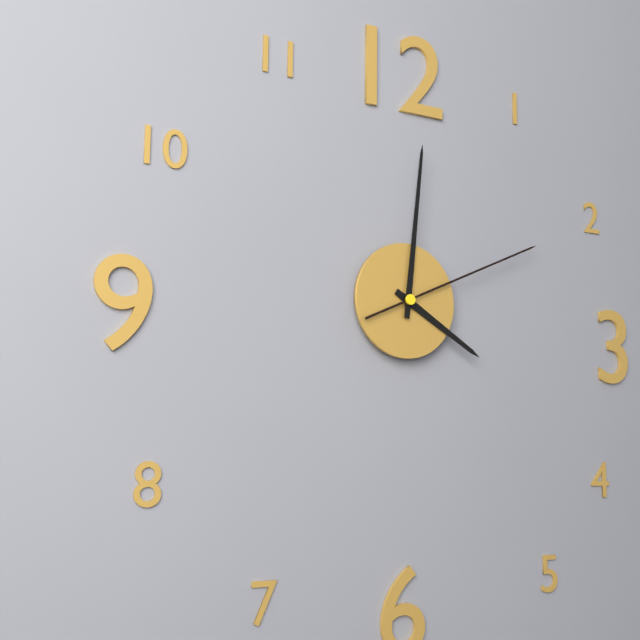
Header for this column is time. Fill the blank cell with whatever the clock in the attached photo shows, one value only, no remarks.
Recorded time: 4:01:11
